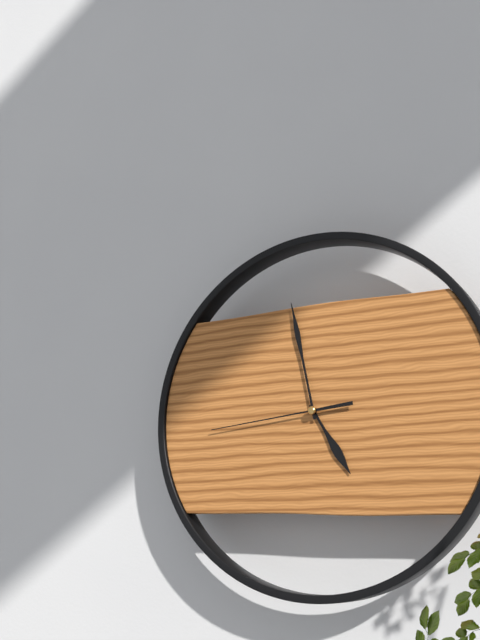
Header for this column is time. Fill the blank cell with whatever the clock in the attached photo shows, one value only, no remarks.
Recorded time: 4:58:44
